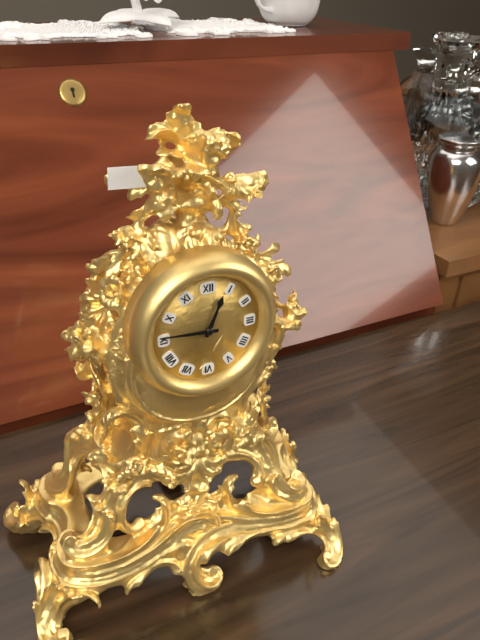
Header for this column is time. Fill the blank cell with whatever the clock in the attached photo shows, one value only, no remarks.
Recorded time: 12:46
